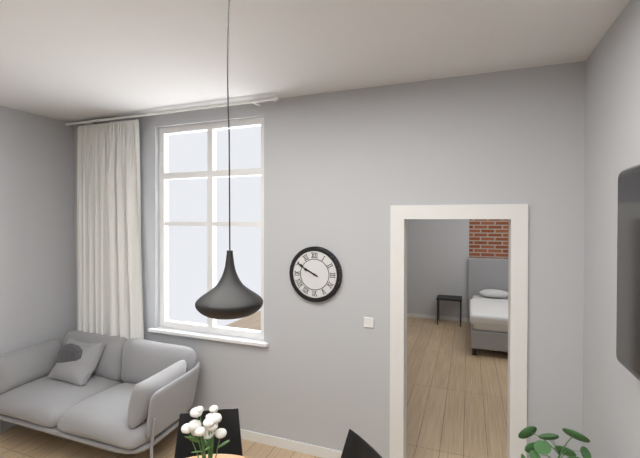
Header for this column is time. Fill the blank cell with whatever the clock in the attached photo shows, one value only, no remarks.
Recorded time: 9:50
